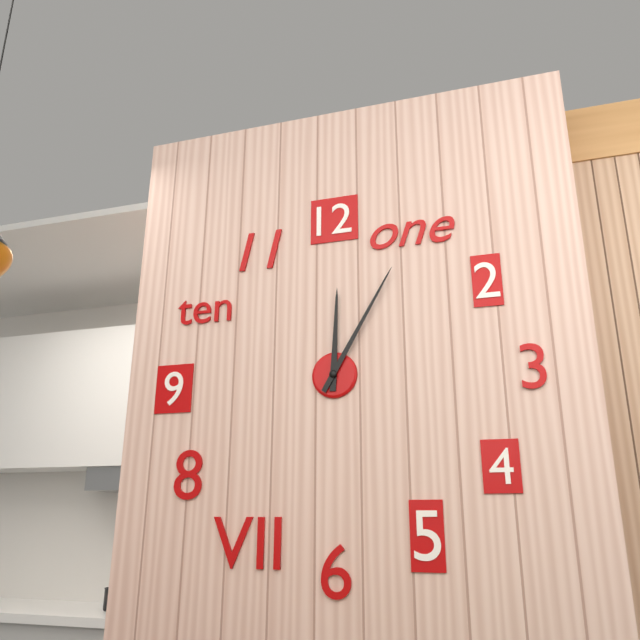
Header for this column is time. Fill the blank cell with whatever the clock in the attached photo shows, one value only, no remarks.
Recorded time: 12:05
